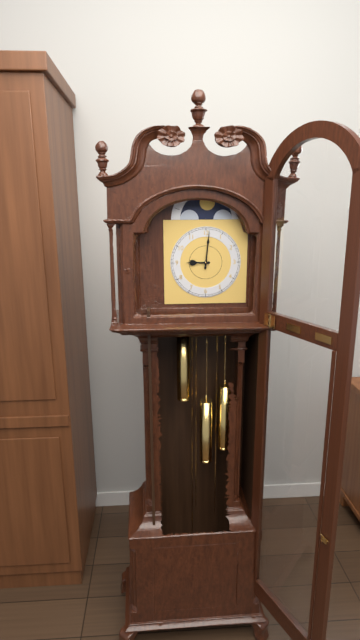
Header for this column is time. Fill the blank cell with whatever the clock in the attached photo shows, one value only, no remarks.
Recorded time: 9:01
